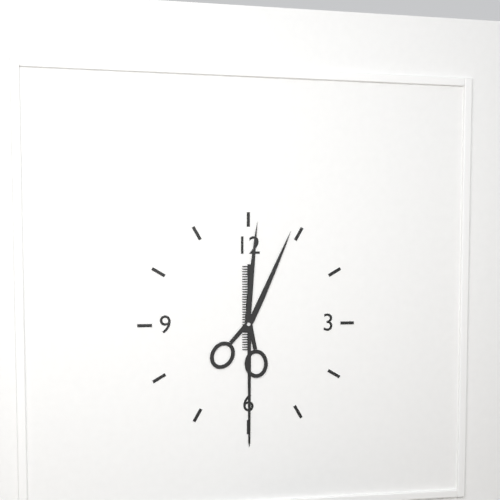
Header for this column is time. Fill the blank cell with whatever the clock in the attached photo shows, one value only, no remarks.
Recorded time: 12:30
